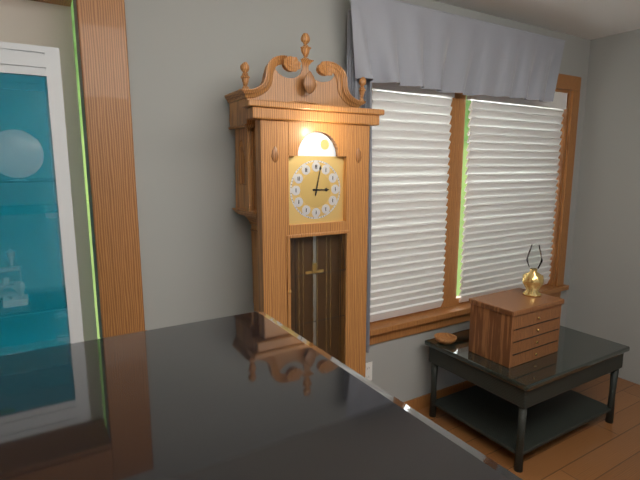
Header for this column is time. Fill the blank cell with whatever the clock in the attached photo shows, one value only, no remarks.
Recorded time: 3:02
